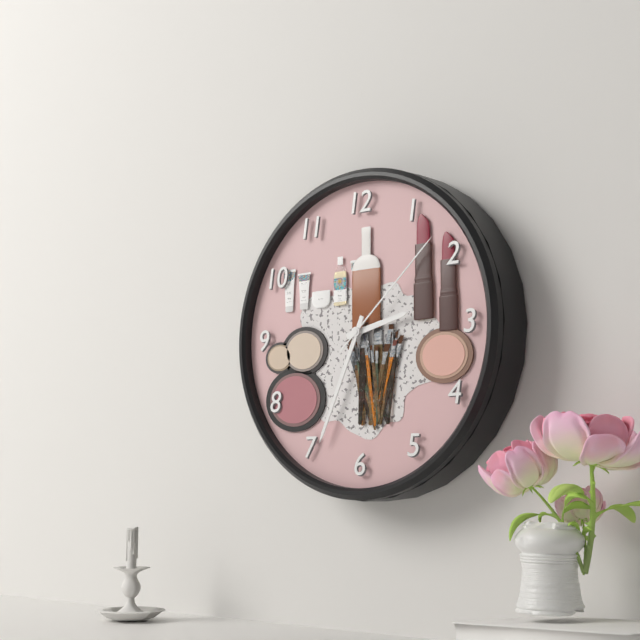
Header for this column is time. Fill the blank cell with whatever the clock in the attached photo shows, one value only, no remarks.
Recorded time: 2:34:08
